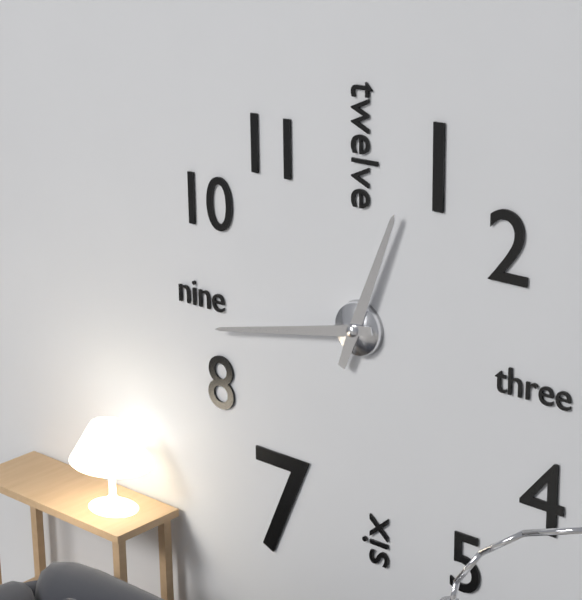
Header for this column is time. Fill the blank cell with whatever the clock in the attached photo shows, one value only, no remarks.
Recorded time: 12:43
